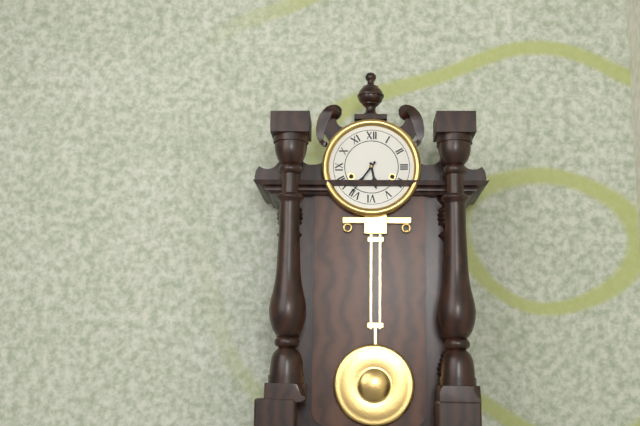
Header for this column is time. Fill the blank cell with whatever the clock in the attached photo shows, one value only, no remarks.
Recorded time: 5:36
